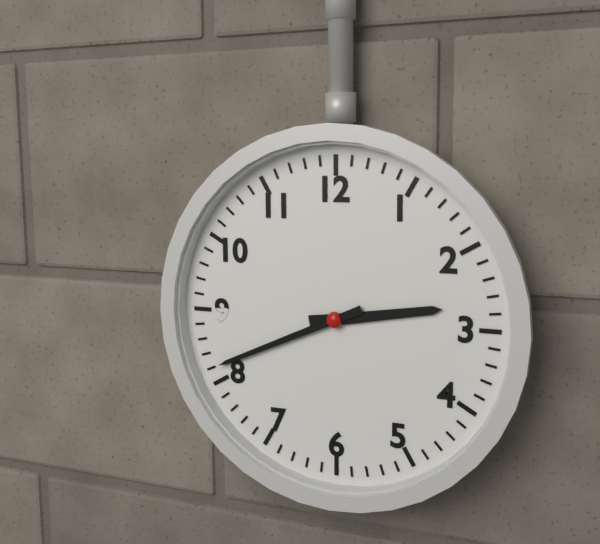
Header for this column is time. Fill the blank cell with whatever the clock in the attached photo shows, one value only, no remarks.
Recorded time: 2:41
